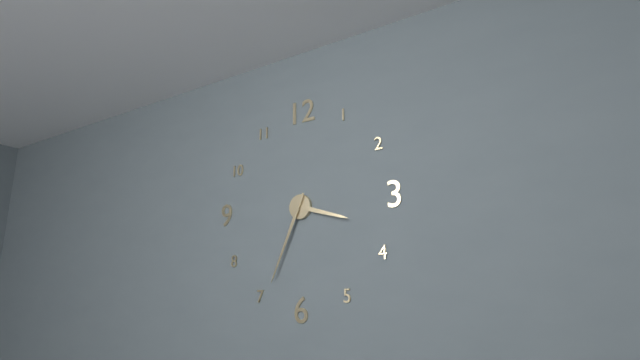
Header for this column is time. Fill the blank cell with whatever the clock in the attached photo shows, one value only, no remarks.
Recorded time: 3:34
